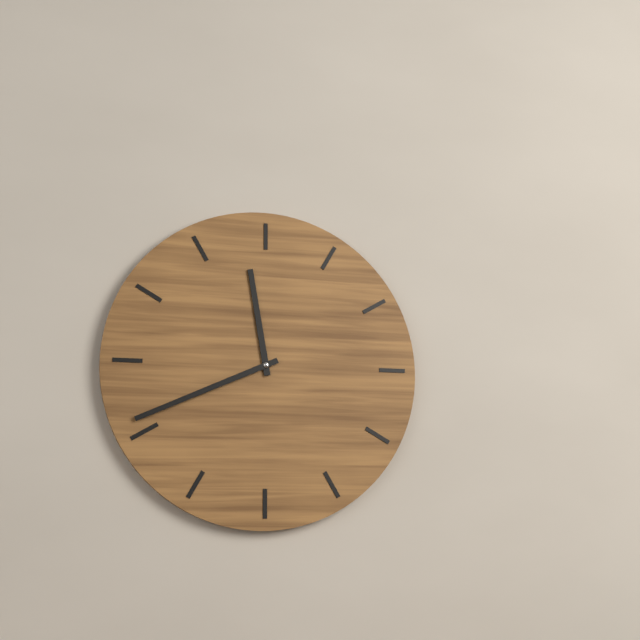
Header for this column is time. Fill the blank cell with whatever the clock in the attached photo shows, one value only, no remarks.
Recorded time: 11:41
